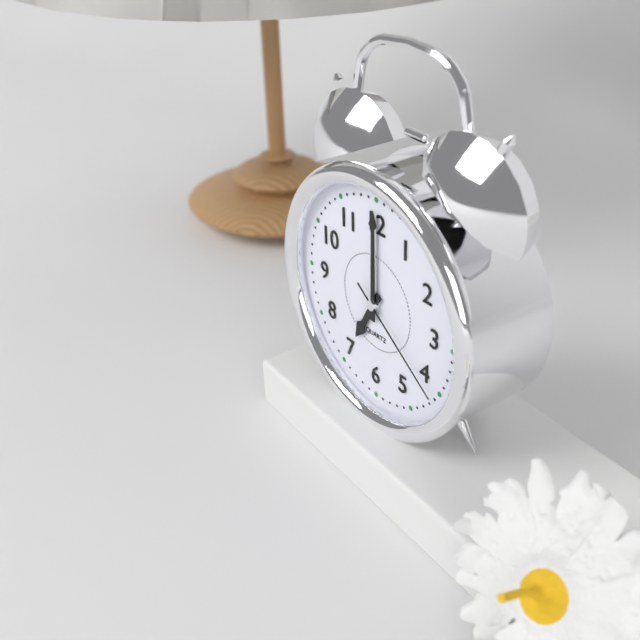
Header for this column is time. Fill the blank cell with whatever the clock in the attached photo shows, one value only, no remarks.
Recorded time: 7:00:21
